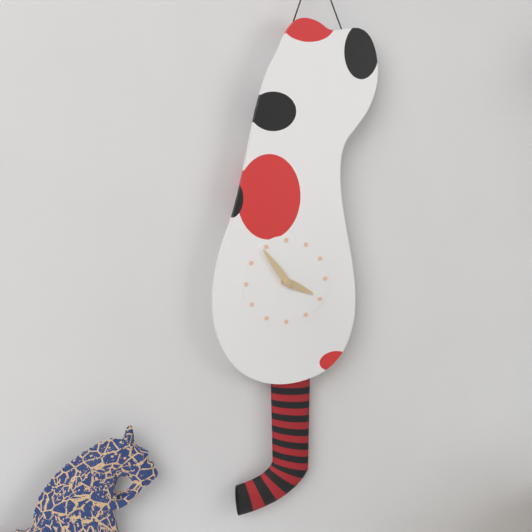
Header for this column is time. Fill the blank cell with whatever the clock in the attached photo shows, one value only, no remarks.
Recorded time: 3:54
